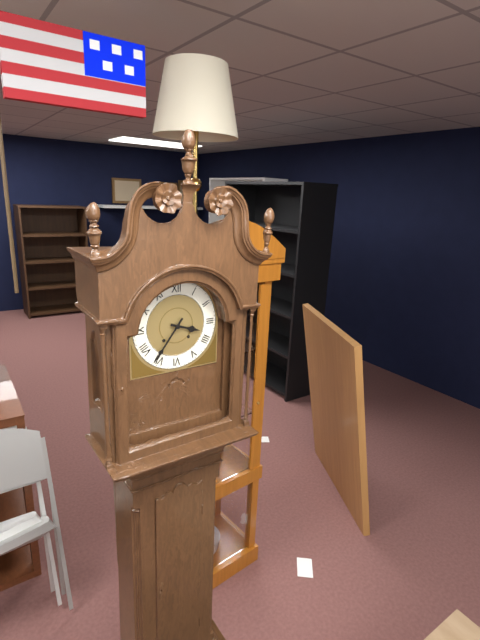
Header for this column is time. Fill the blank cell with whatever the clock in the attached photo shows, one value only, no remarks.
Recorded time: 3:36
